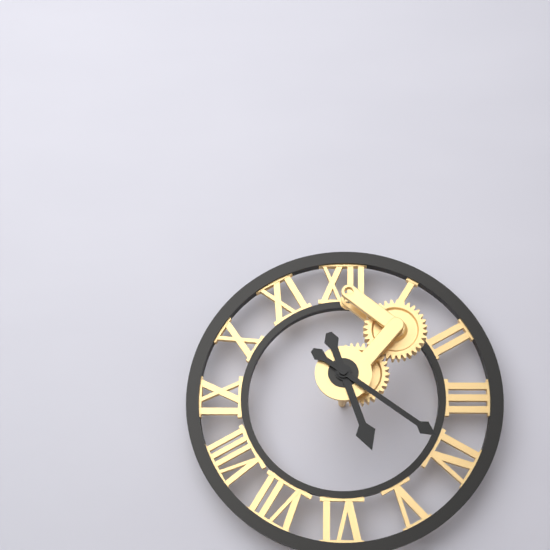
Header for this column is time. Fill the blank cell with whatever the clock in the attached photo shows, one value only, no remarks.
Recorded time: 5:21
